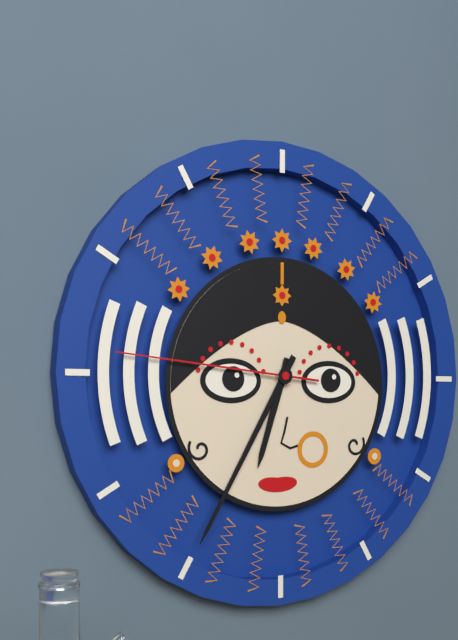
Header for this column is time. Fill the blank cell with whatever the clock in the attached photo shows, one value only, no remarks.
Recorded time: 6:35:46
